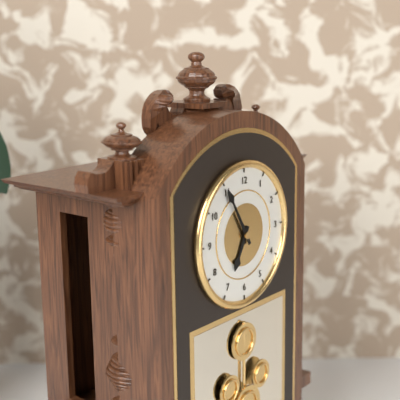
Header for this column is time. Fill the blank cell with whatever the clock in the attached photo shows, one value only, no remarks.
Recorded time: 6:55
